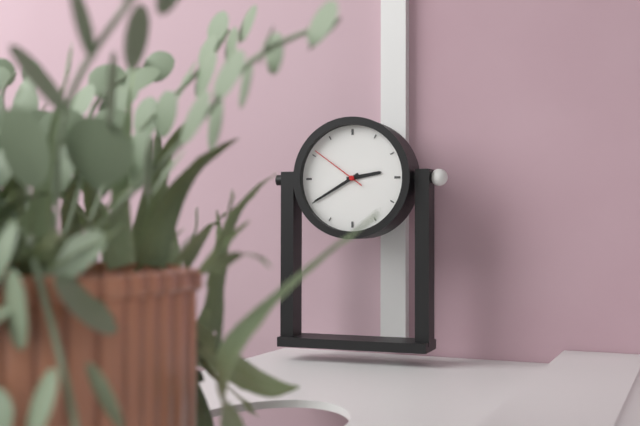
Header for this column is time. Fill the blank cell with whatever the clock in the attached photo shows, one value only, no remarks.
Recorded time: 2:40:51
